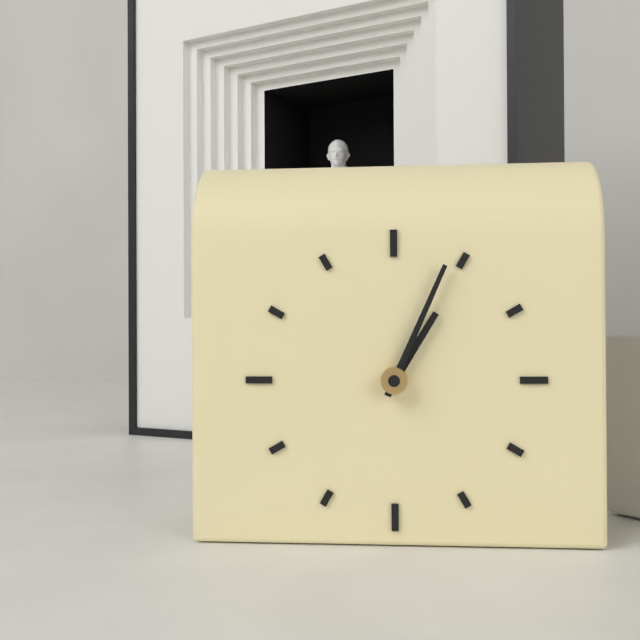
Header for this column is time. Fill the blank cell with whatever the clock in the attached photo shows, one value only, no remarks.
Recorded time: 1:04
